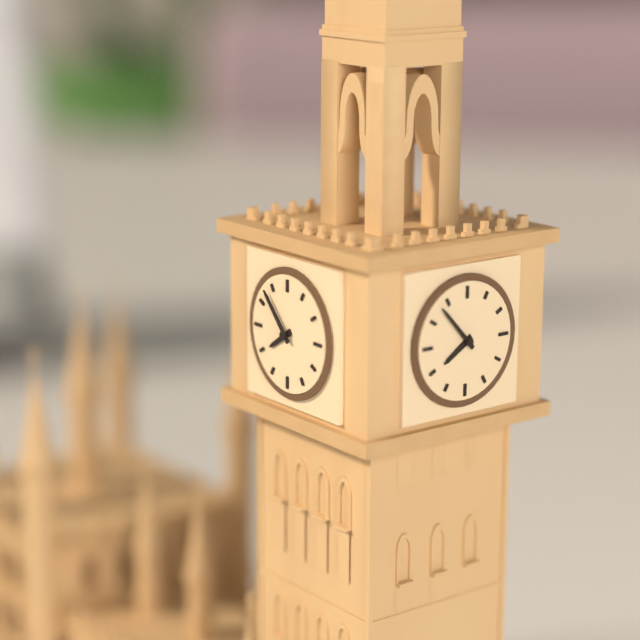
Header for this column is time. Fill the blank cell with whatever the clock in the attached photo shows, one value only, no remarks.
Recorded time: 7:53
